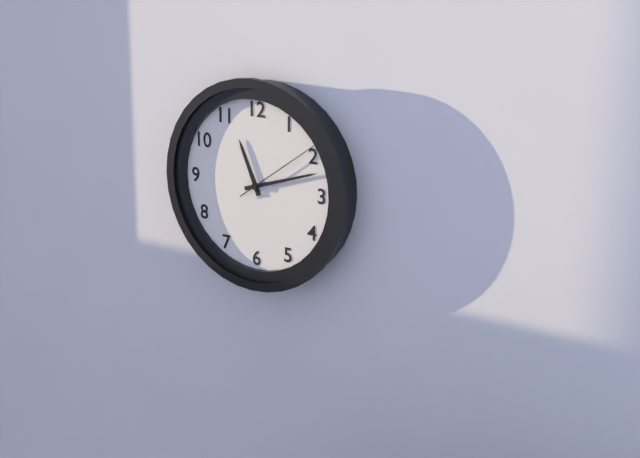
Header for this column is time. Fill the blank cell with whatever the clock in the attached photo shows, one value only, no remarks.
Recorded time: 11:12:09
